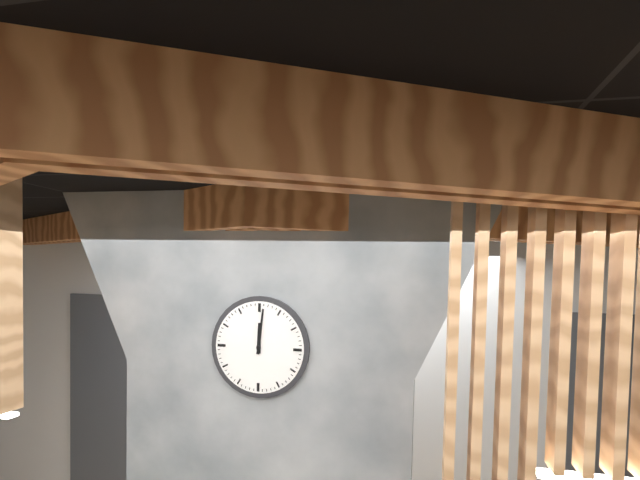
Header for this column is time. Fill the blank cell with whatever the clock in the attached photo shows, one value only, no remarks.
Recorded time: 12:01
